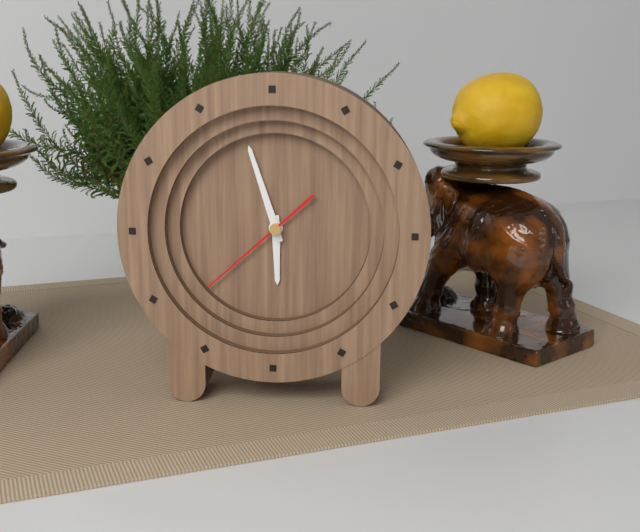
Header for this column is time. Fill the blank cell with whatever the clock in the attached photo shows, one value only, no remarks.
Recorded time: 5:57:38
